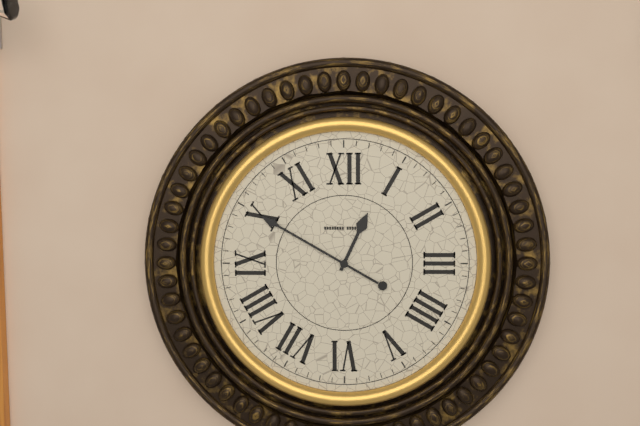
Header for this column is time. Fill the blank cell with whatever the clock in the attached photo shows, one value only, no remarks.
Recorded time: 12:50
